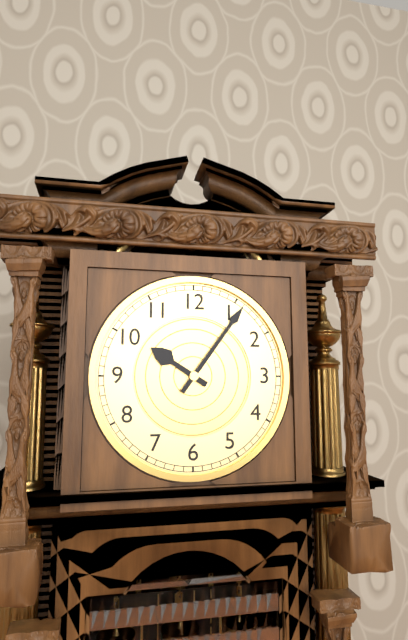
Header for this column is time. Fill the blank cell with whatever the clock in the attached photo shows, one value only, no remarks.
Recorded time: 10:06
